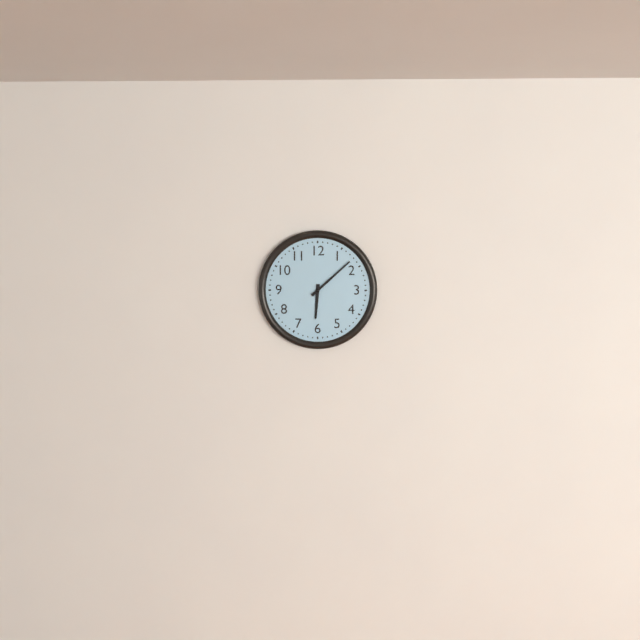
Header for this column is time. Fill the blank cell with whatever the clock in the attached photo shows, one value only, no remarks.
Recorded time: 6:08
